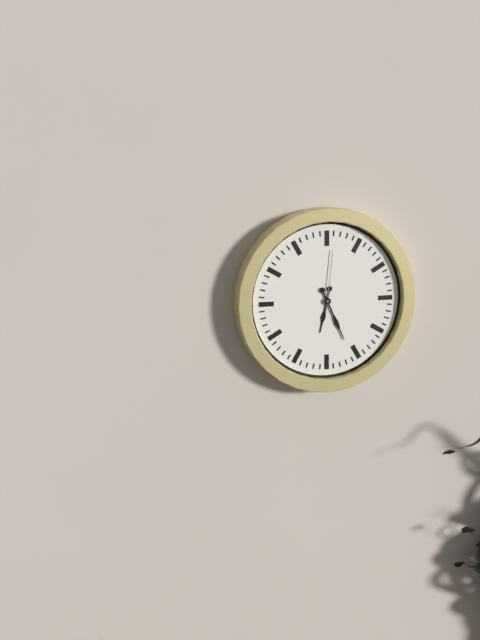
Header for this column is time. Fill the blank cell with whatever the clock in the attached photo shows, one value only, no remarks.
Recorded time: 6:26:01
